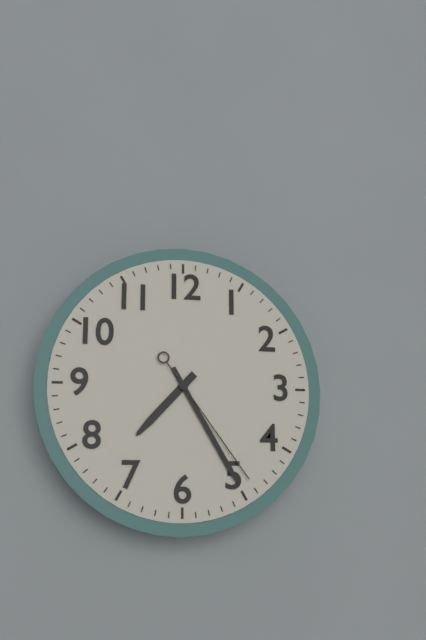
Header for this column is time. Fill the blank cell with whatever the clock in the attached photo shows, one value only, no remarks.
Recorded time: 7:25:24
